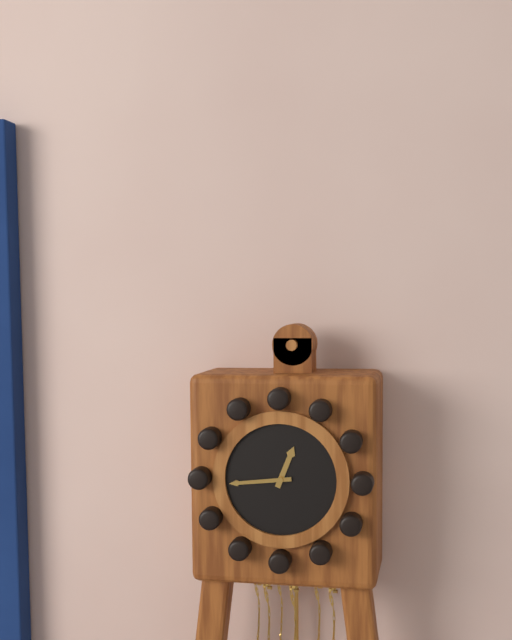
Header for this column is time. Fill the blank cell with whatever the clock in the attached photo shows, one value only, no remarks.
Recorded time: 12:44
